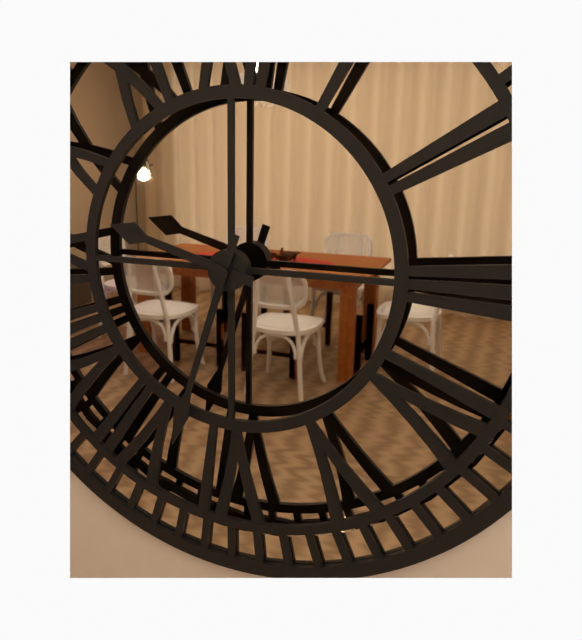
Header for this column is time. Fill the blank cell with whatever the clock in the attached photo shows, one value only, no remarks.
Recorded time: 9:33
